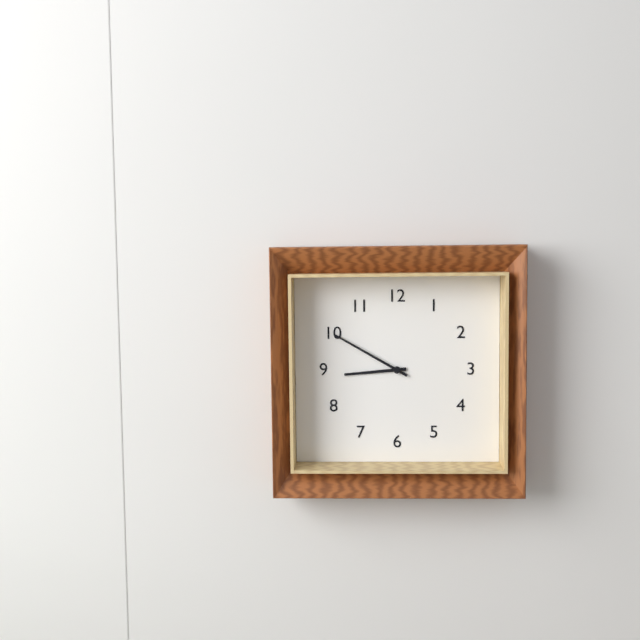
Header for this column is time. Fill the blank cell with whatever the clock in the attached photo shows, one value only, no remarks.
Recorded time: 8:50
